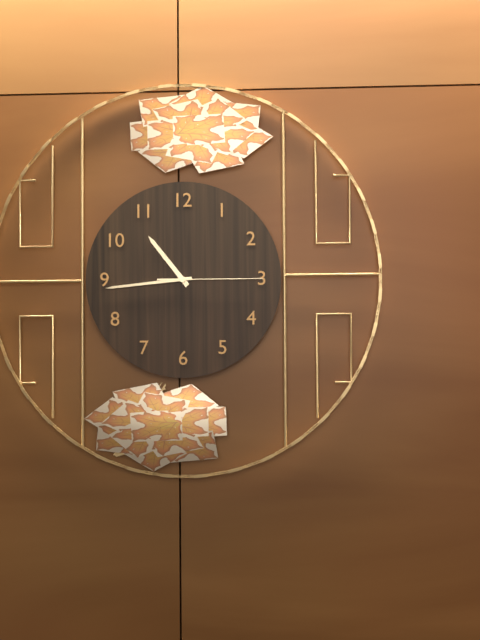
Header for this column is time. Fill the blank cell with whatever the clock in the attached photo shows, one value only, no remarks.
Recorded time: 10:44:15
